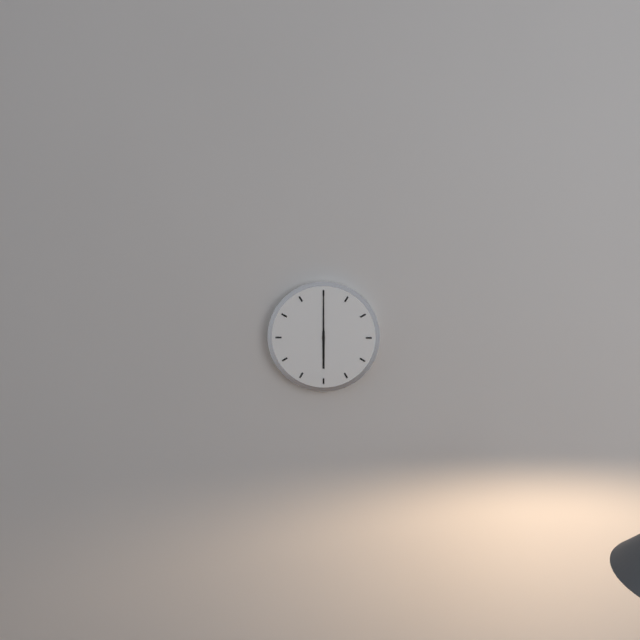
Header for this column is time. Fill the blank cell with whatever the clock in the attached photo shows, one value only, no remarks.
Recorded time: 6:00
